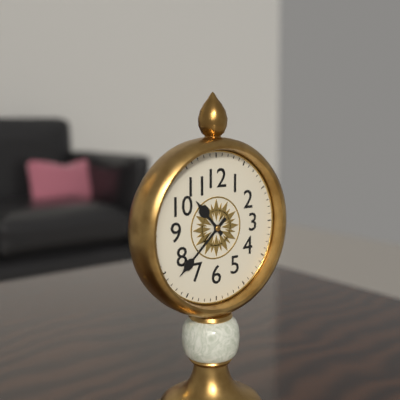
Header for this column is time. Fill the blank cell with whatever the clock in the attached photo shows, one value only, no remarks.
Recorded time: 10:38
